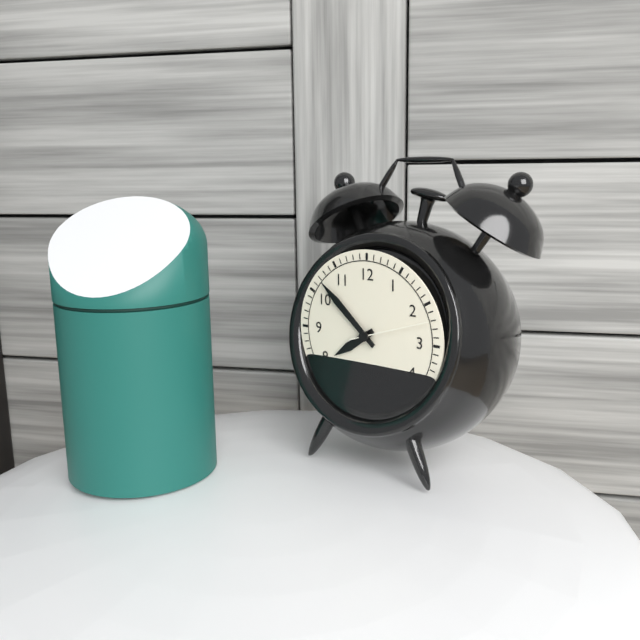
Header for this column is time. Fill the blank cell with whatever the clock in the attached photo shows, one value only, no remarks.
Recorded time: 7:52:12
